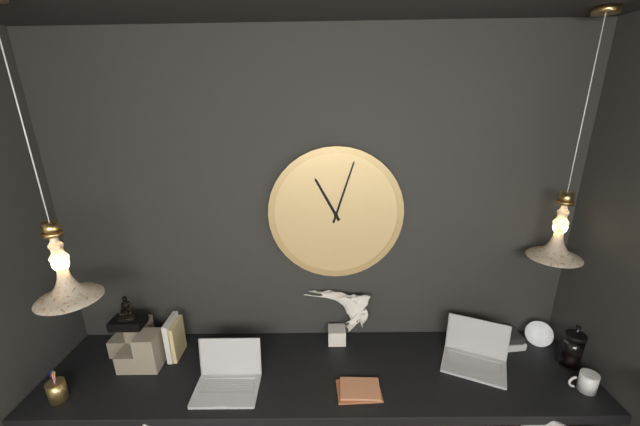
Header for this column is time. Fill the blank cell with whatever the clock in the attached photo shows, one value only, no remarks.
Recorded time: 11:03
